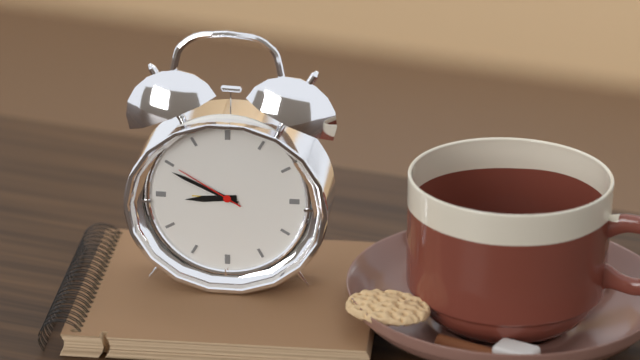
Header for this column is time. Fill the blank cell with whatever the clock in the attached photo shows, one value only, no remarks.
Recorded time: 8:49:50
